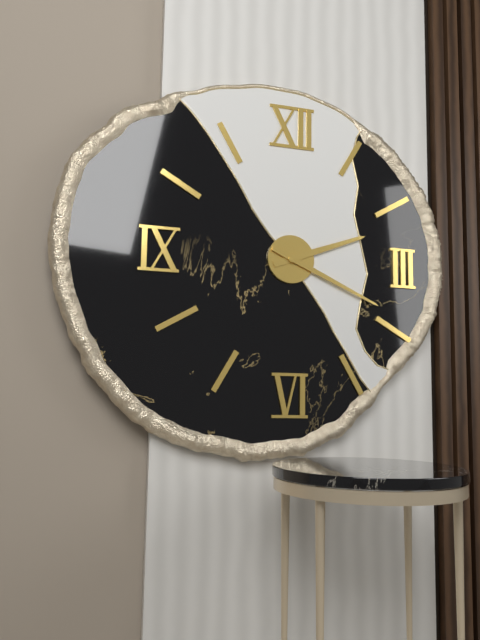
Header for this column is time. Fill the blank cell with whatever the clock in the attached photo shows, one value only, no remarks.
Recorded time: 2:19
